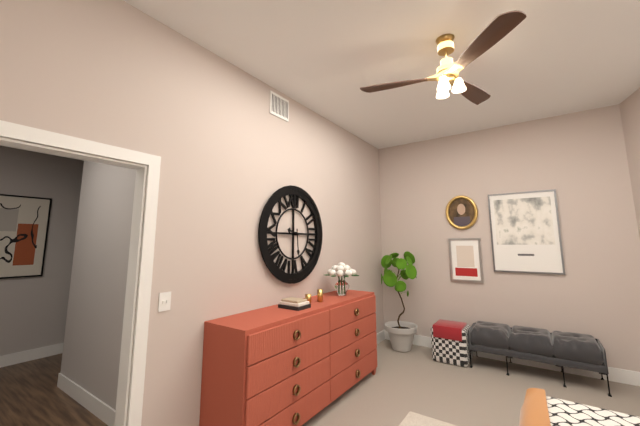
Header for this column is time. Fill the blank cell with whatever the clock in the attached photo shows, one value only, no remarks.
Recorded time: 9:29
